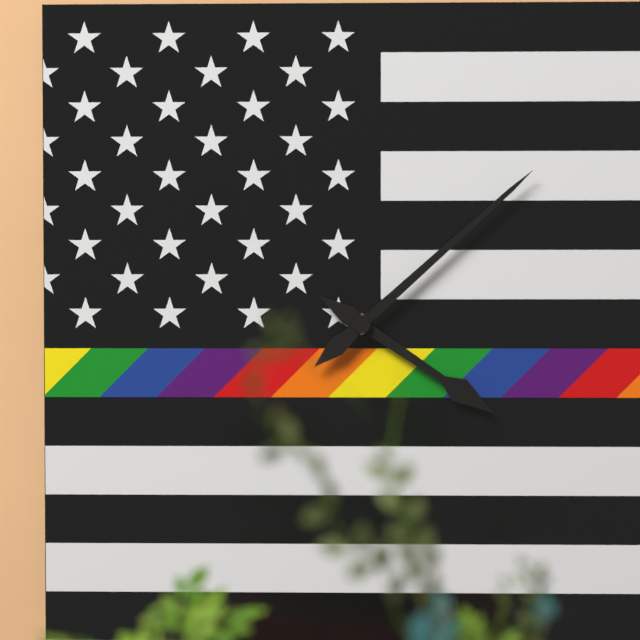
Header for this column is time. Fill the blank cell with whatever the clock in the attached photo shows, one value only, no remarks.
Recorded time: 4:08
